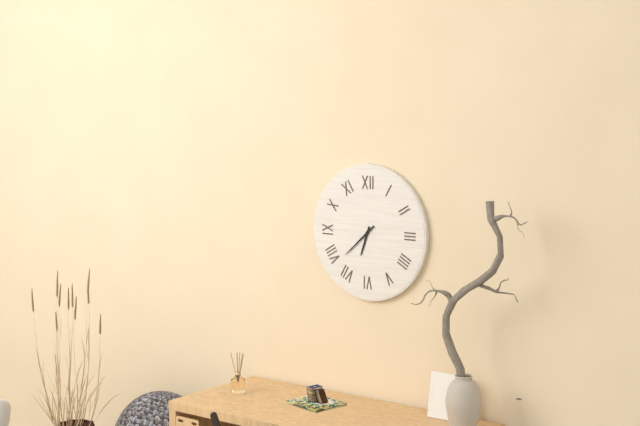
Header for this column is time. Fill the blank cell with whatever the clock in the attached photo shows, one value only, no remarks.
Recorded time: 6:38
